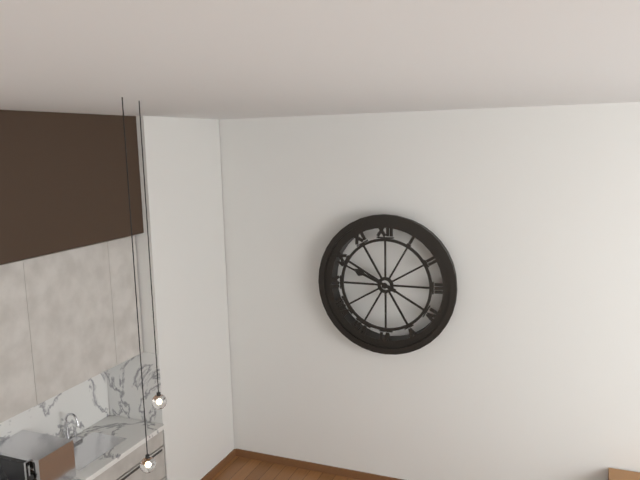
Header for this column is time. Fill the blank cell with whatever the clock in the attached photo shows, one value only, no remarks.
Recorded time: 9:49
